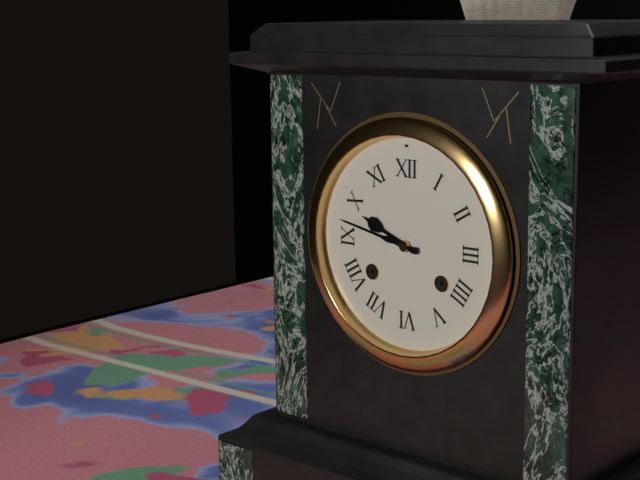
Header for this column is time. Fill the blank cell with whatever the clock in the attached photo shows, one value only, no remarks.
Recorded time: 9:47
